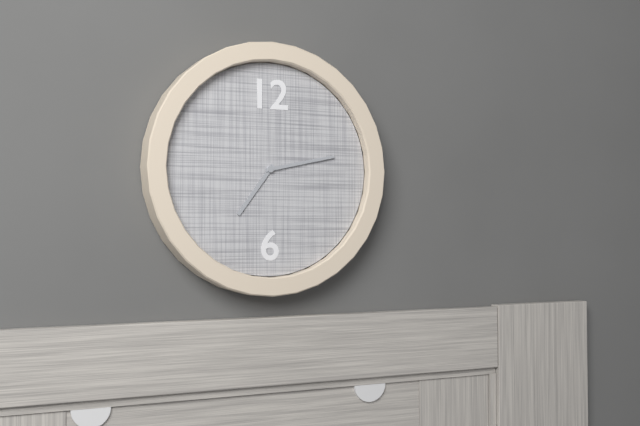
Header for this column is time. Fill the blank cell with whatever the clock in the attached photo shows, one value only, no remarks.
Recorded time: 7:13
